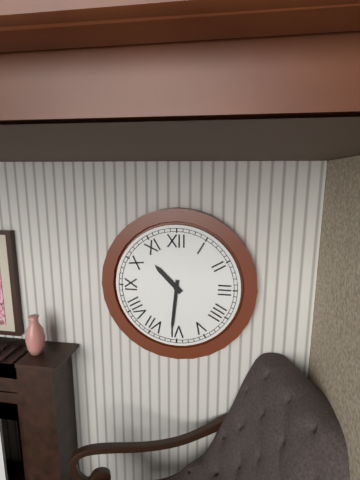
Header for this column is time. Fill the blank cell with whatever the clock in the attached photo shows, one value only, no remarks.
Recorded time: 10:31
